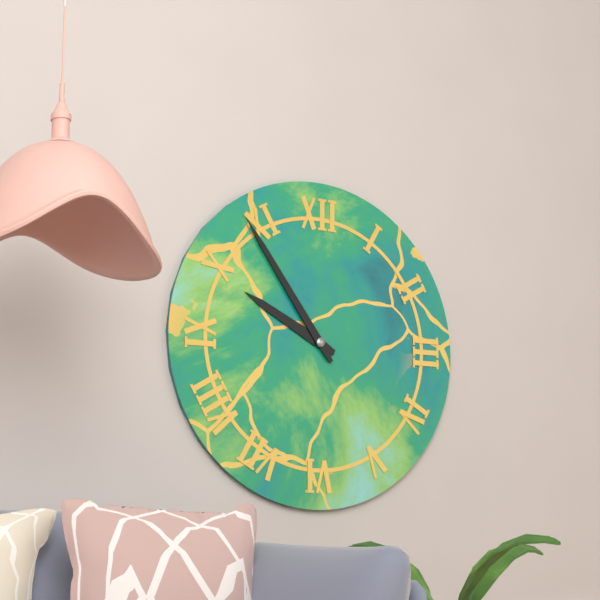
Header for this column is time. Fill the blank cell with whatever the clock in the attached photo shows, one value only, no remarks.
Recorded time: 9:54
